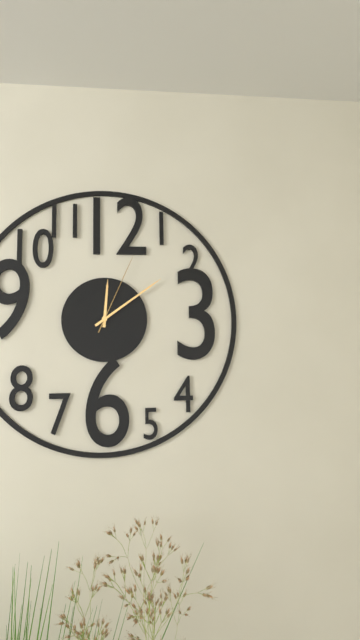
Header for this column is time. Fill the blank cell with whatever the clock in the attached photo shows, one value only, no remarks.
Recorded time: 12:09:04
